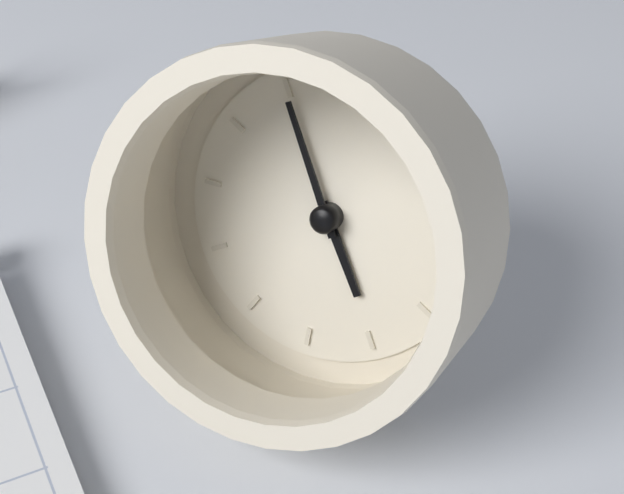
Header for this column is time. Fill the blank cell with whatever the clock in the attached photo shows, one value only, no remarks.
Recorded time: 4:55
